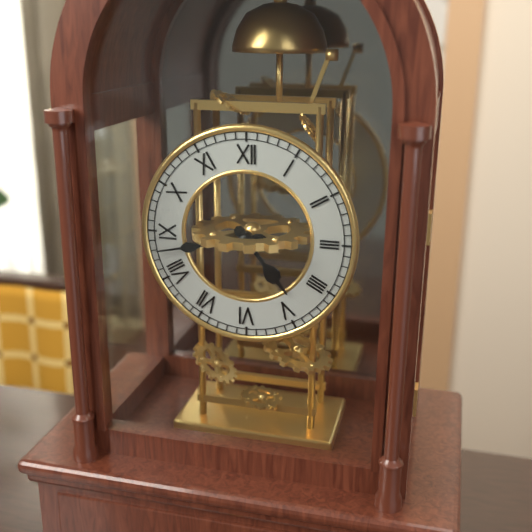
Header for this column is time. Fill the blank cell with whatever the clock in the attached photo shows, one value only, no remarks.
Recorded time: 4:43
